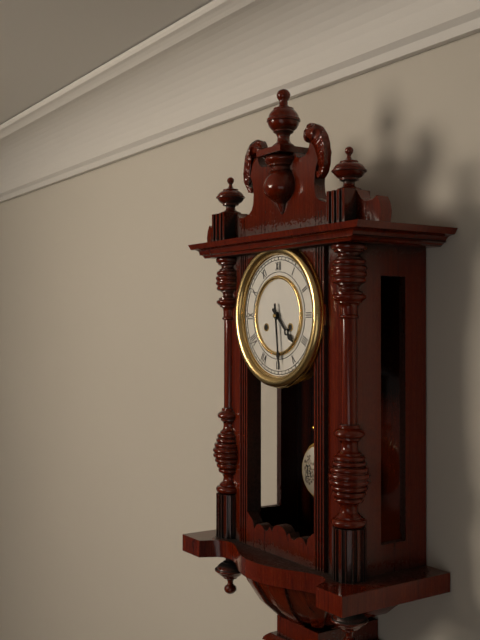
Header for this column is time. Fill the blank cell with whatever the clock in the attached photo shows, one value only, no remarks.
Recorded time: 4:29
